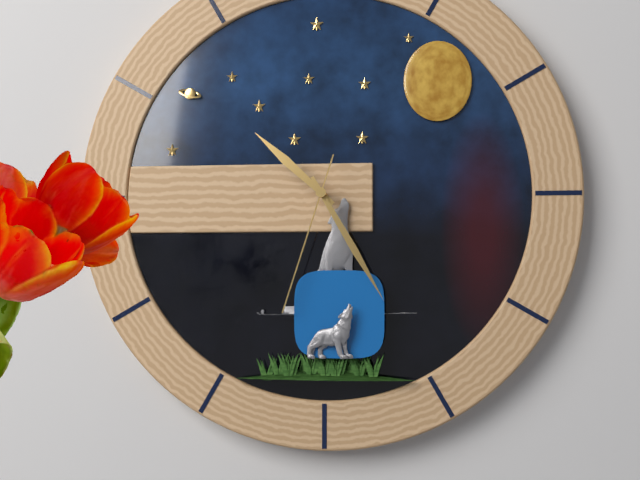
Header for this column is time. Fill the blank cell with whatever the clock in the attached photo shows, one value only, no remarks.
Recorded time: 10:25:33
